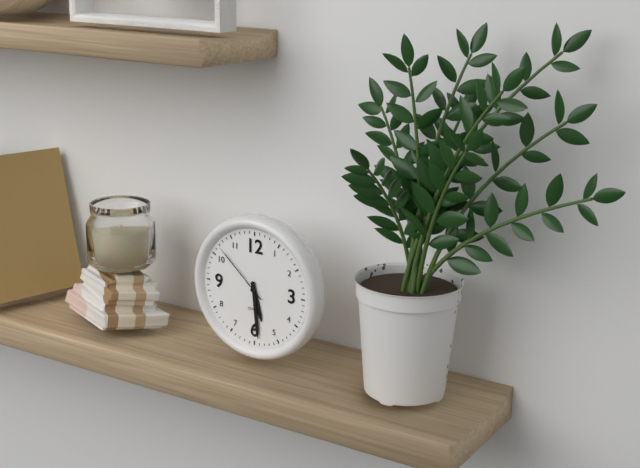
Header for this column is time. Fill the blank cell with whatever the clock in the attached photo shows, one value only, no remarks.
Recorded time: 5:29:52
